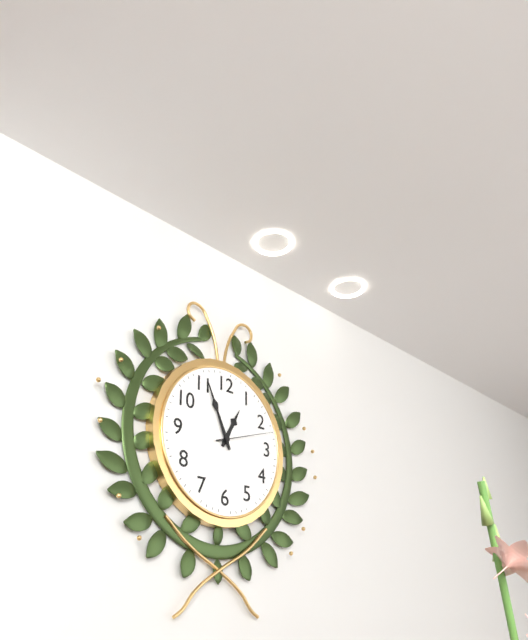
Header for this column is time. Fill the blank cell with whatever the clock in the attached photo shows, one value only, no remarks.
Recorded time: 12:56:12
